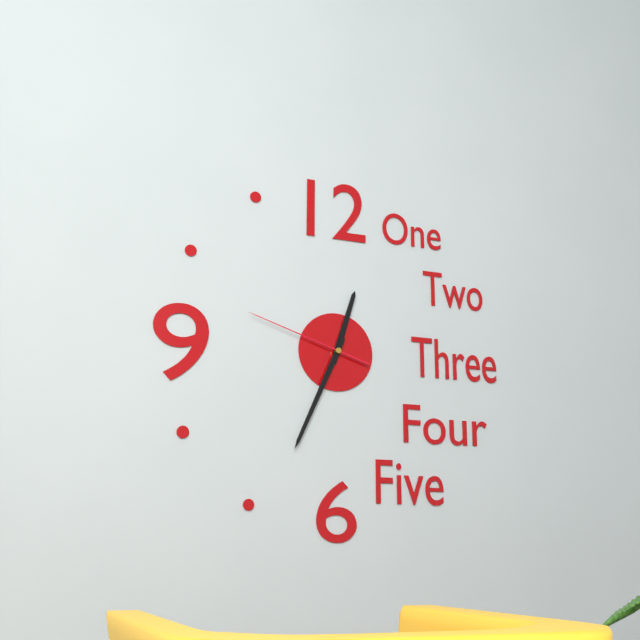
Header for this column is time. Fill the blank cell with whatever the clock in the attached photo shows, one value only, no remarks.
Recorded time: 12:34:48
